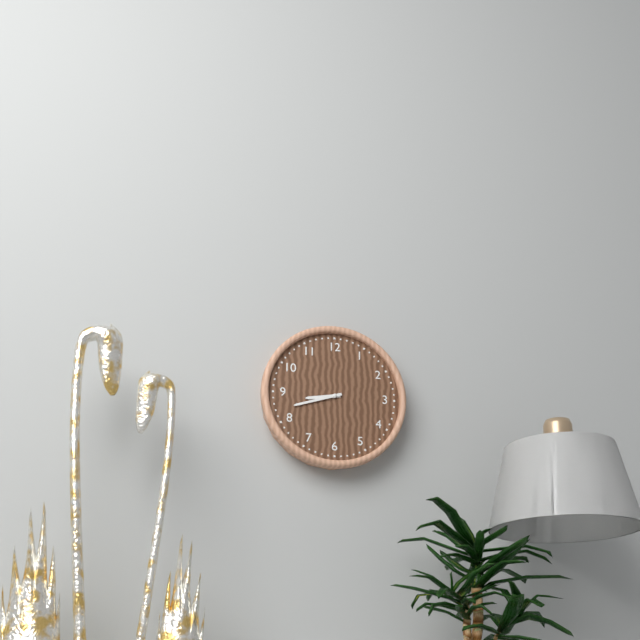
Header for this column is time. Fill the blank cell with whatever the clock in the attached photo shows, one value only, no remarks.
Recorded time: 8:42
